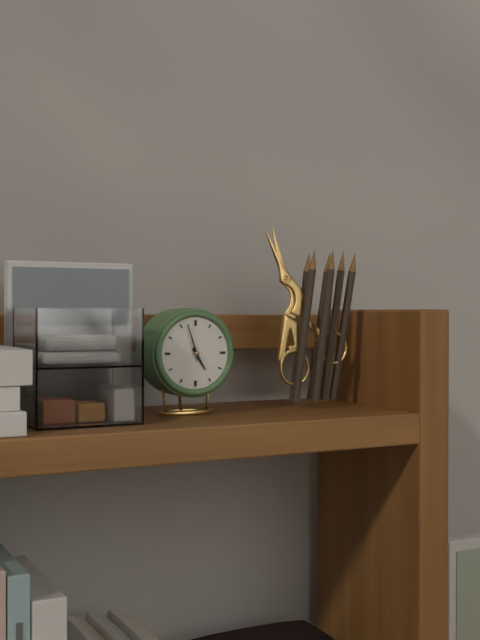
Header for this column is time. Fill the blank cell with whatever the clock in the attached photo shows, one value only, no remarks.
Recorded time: 4:57
